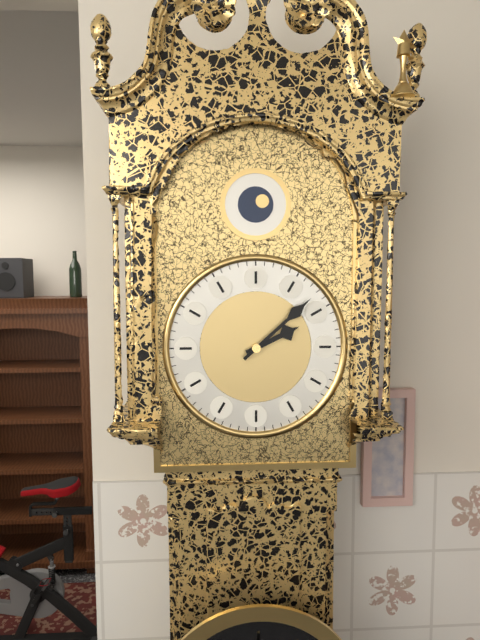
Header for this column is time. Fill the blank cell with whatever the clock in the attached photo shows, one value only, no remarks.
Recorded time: 2:08
